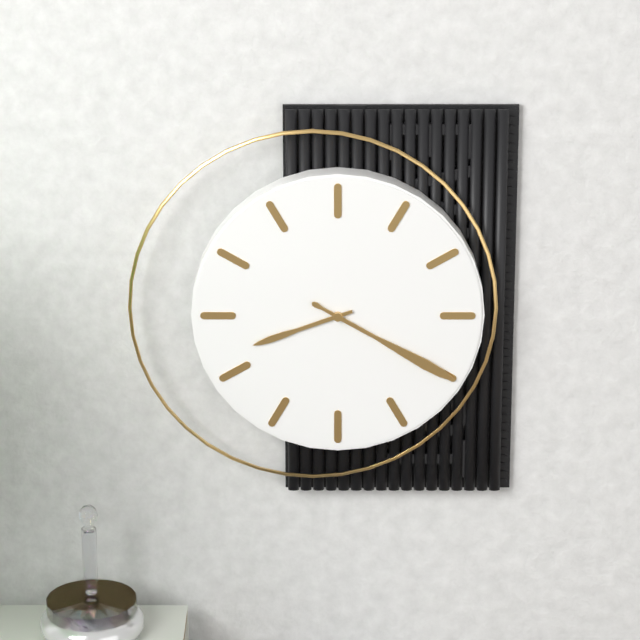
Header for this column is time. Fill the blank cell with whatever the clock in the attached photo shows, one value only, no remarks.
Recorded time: 8:20
